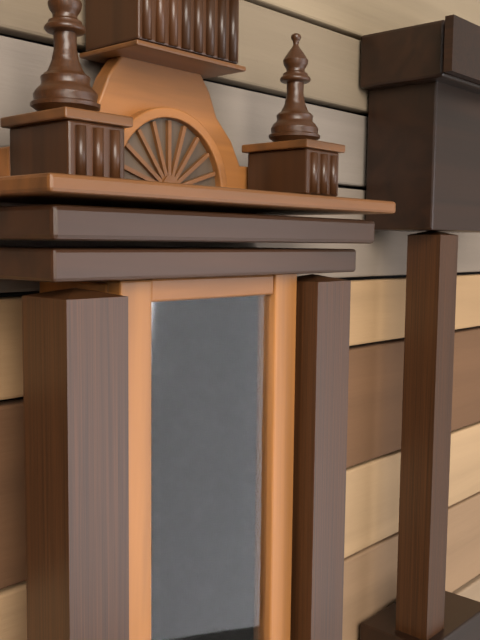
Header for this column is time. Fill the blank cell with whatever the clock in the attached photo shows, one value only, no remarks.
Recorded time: 1:53
